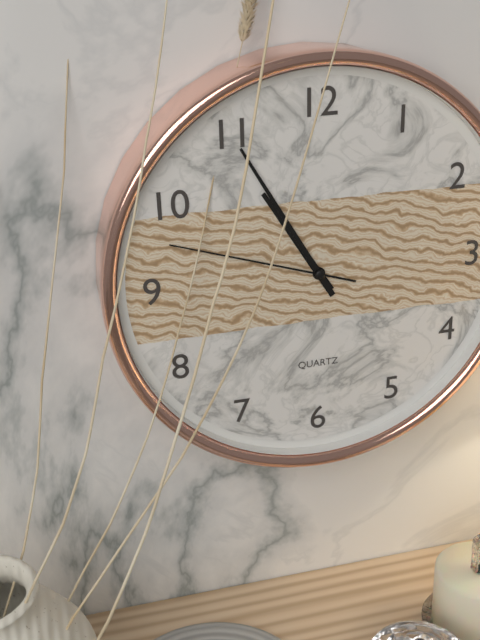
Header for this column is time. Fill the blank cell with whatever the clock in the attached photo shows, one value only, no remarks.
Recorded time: 10:55:48
